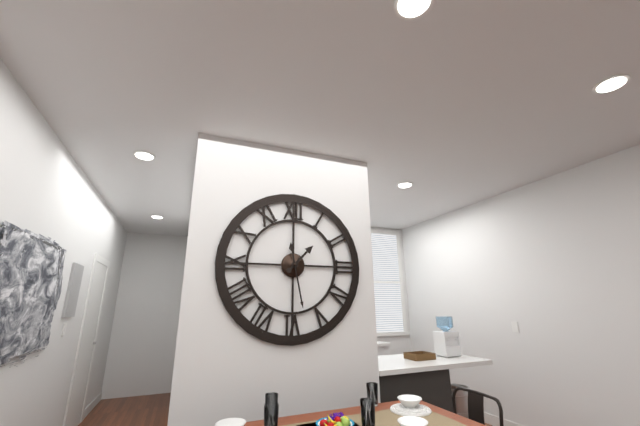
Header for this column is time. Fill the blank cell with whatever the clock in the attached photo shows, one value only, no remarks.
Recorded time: 1:28
